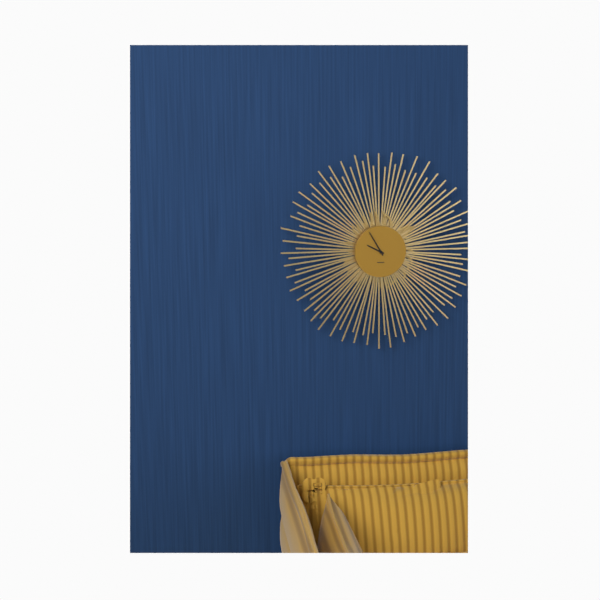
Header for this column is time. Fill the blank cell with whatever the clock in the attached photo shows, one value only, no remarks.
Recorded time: 9:55
